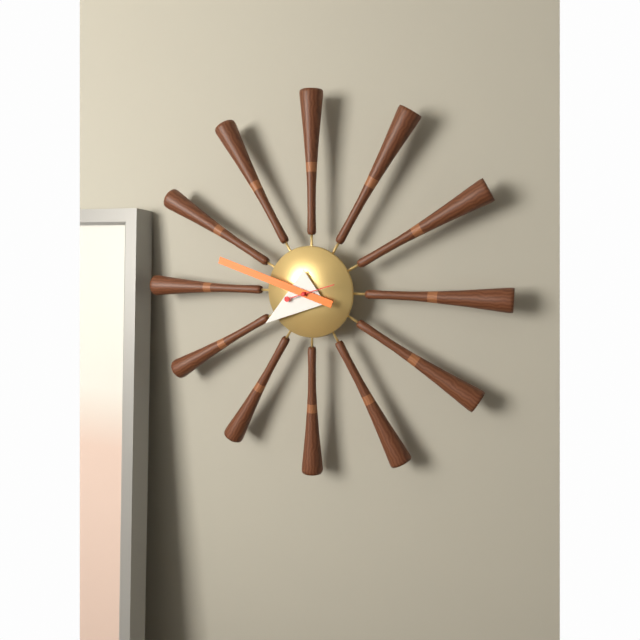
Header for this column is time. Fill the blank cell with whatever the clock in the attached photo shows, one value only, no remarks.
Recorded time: 7:48
